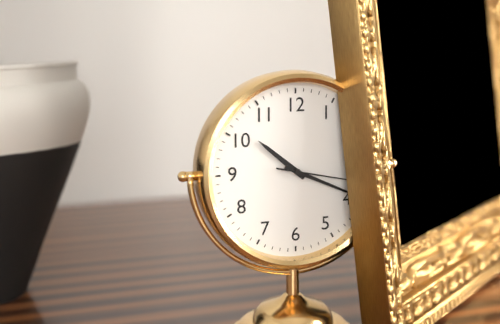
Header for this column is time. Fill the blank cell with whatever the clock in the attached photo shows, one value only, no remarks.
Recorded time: 10:19
